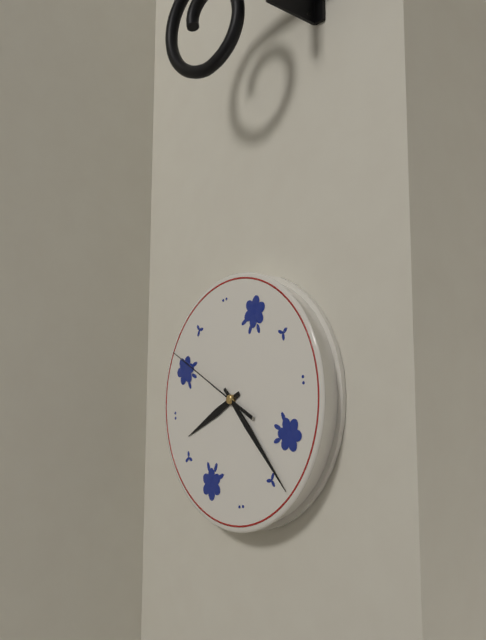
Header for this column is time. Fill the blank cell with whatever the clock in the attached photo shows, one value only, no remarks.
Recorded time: 8:24:51
